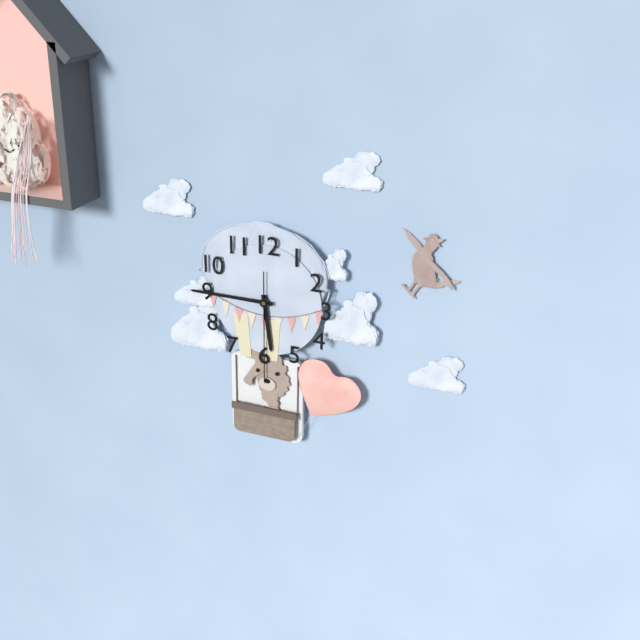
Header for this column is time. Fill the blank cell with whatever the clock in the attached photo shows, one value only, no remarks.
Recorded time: 5:45:30
